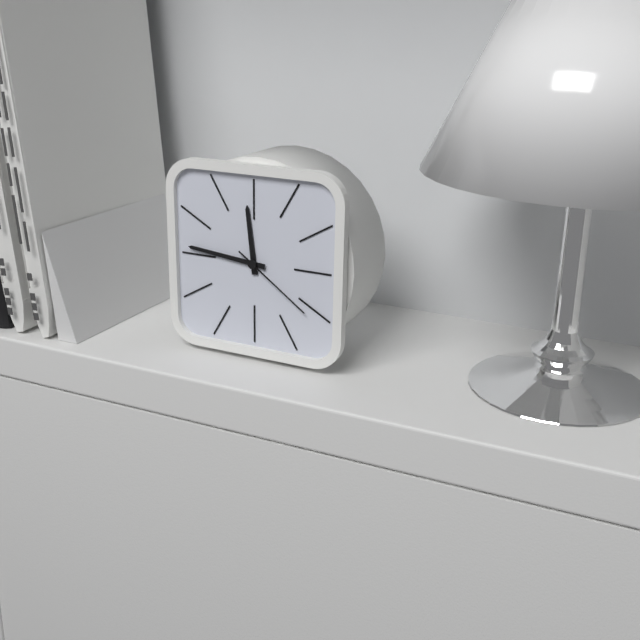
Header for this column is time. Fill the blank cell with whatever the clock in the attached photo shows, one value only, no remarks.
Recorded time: 11:46:21
